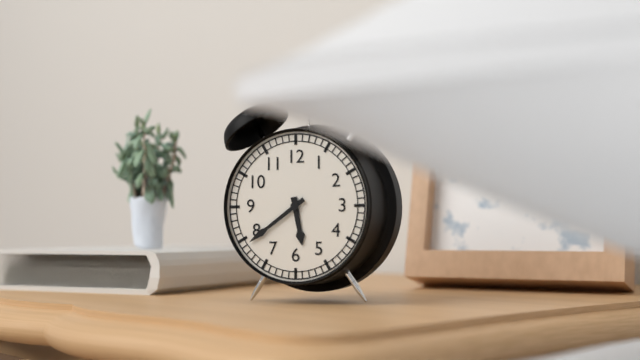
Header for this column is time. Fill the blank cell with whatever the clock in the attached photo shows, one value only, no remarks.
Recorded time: 5:39
